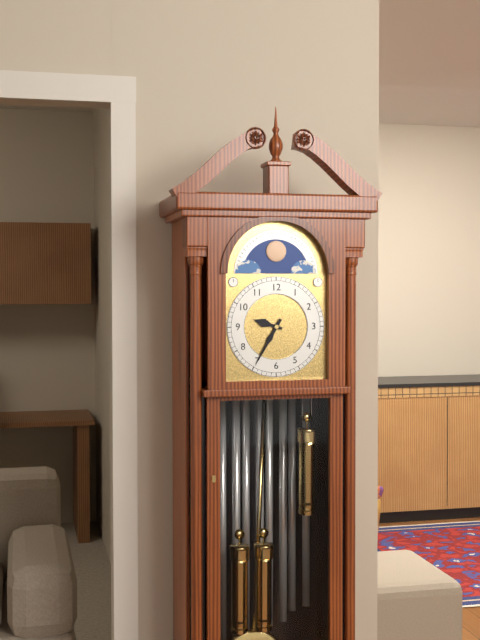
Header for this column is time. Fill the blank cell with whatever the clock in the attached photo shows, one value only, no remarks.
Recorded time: 9:35
